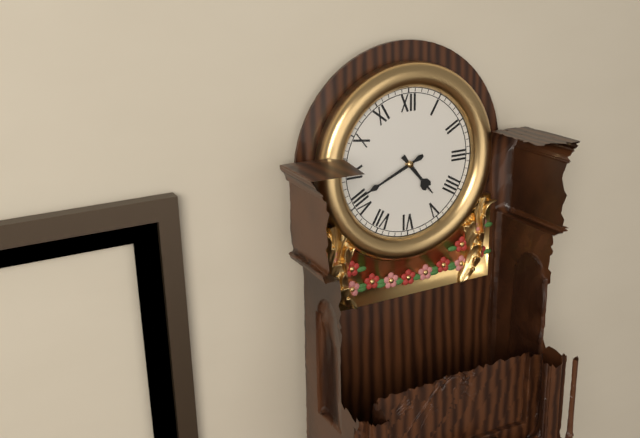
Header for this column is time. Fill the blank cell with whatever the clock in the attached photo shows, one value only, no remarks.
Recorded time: 4:41
